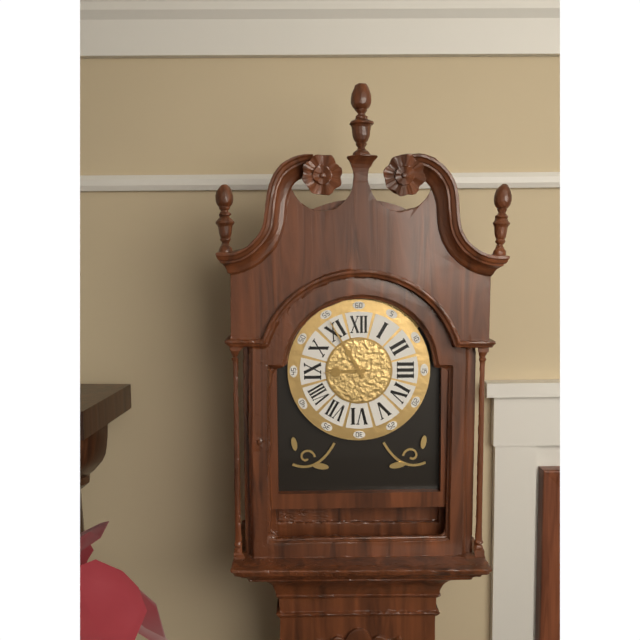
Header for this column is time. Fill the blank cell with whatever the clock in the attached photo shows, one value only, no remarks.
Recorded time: 8:55
